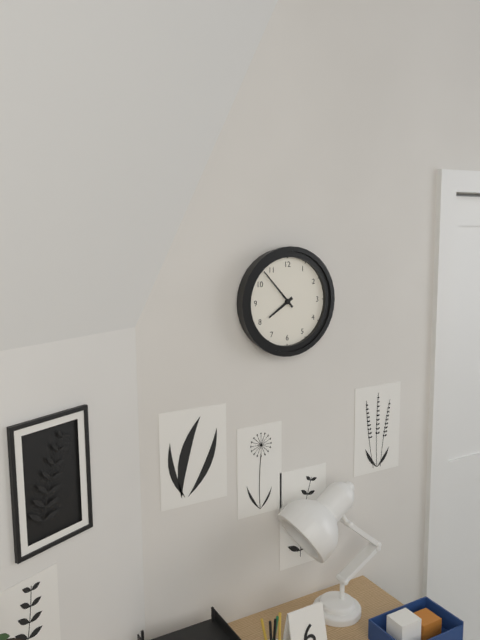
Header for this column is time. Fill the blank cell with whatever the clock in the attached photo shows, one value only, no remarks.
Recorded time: 7:53
